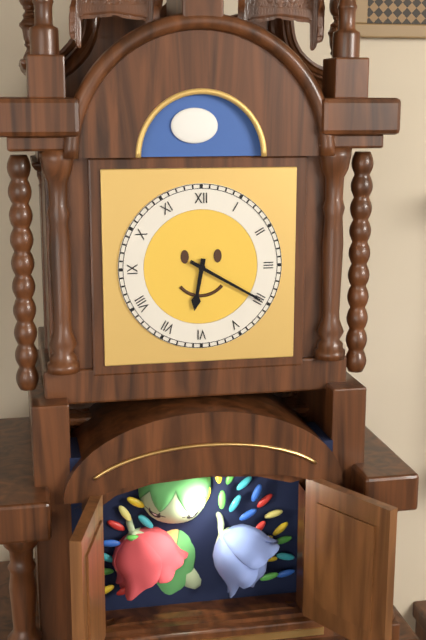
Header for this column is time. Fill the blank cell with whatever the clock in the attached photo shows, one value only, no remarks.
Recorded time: 6:20
